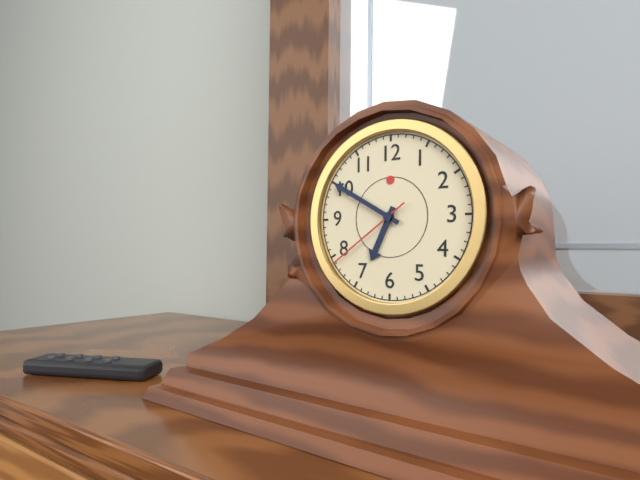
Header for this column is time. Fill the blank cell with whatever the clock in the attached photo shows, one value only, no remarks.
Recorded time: 6:50:39
